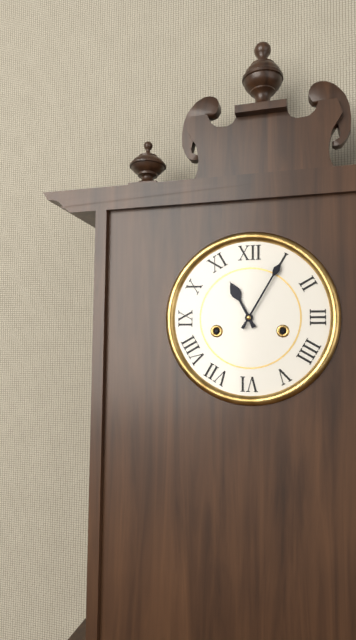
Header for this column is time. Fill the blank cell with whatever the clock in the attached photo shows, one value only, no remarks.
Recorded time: 11:05
